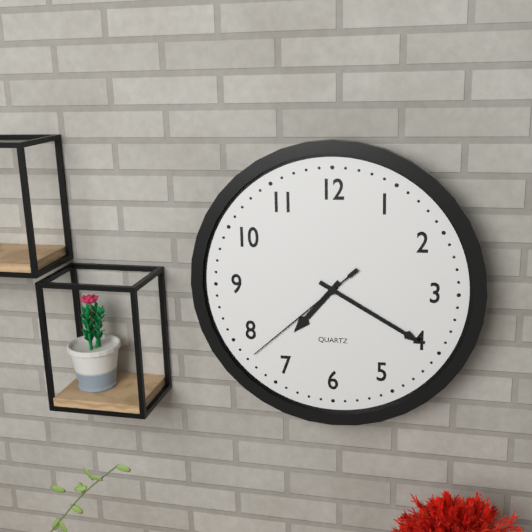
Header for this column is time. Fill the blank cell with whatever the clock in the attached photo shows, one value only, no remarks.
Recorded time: 7:20:38
